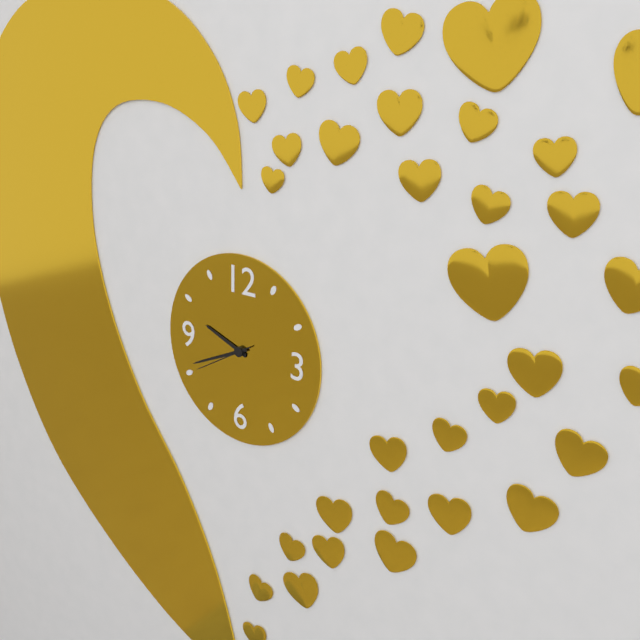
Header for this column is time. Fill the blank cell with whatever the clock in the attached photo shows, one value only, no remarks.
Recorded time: 9:41:40
